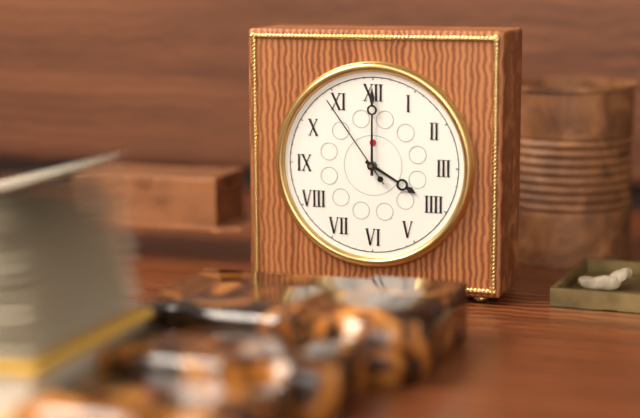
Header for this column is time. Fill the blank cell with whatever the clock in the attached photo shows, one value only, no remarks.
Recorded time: 4:00:54
